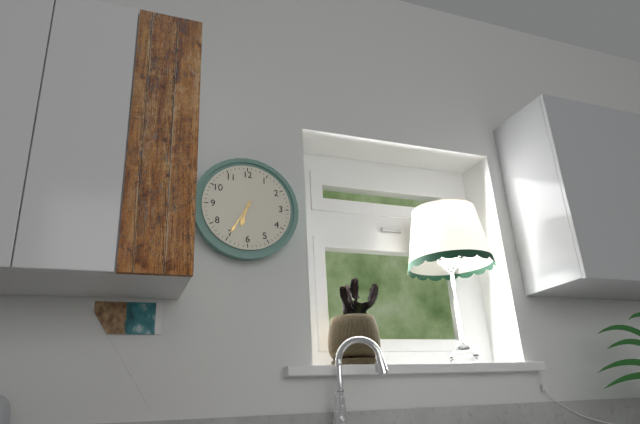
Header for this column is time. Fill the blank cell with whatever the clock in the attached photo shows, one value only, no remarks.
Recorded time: 6:35
